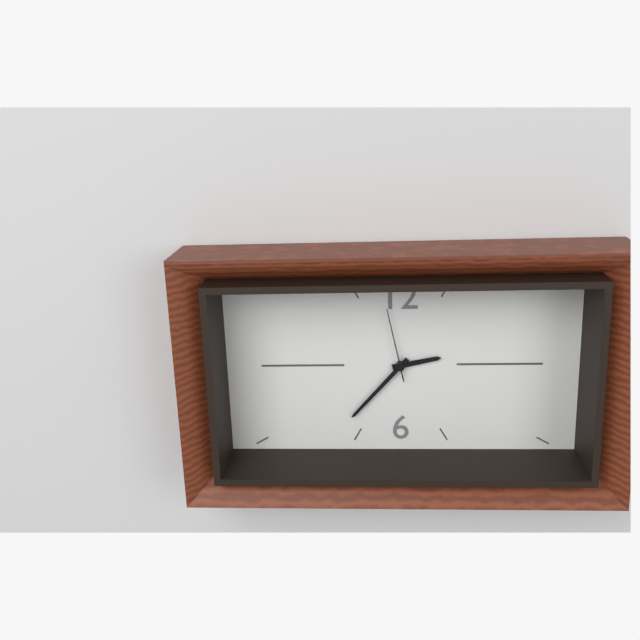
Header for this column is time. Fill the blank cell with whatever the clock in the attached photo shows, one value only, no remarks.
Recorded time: 2:37:58
